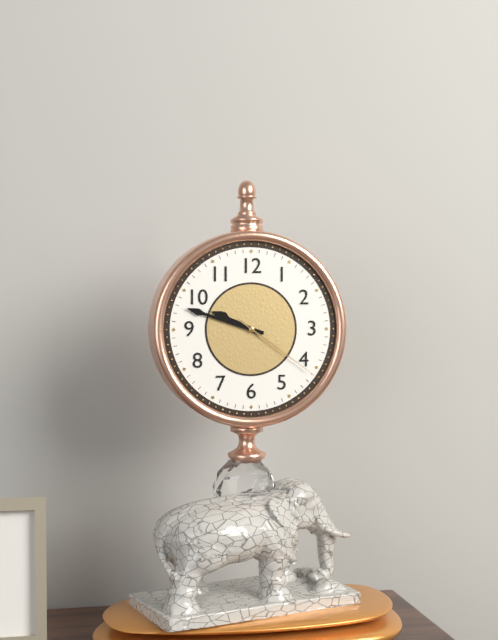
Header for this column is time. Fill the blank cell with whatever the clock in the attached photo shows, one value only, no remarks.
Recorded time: 9:48:21
